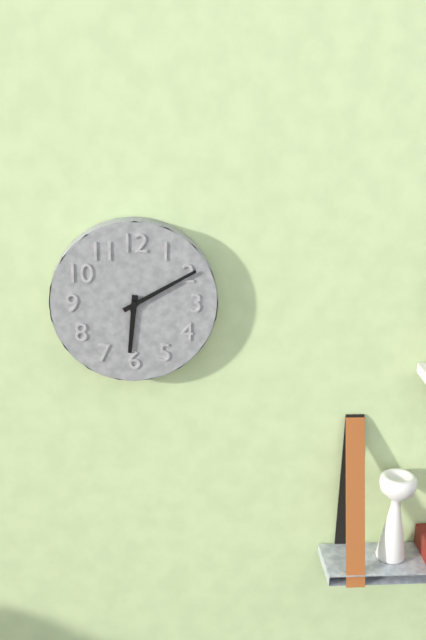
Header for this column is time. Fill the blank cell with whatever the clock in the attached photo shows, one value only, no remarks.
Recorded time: 6:10
